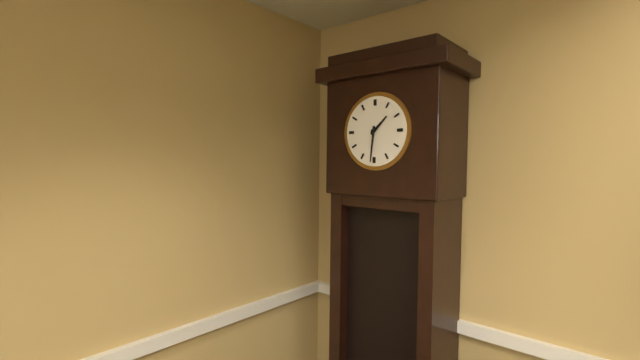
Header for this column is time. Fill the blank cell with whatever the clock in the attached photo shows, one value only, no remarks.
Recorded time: 1:31
